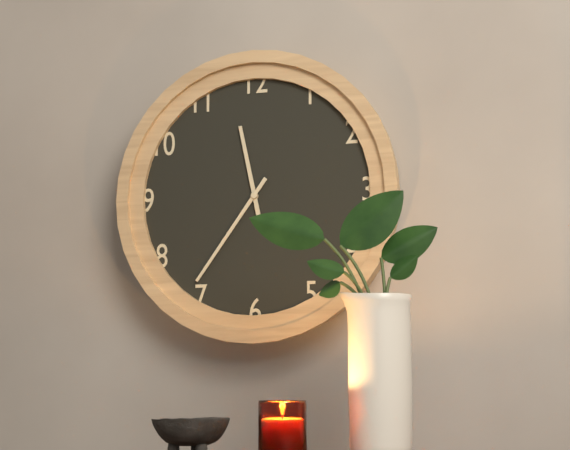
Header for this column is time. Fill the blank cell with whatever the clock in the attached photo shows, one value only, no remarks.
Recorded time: 11:36
